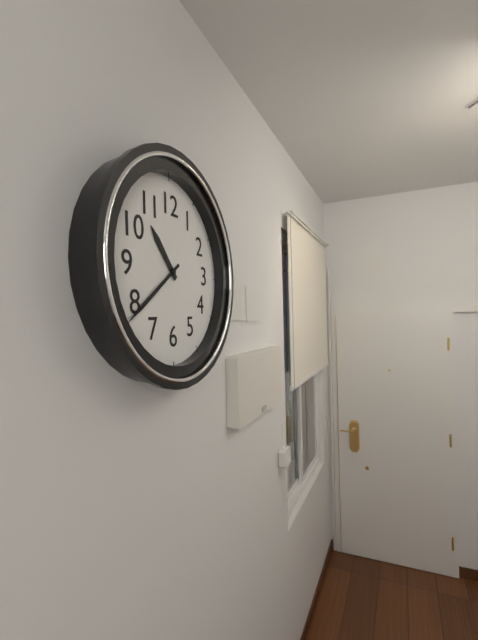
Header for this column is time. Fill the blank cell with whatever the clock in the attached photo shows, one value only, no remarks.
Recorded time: 10:39
